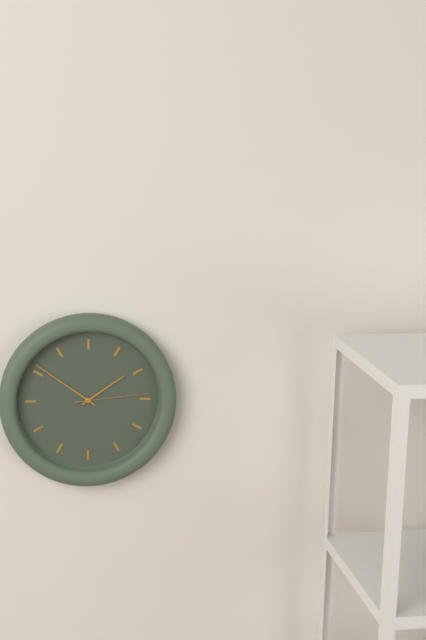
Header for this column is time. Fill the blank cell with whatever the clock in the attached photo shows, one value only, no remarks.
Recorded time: 1:51:14
